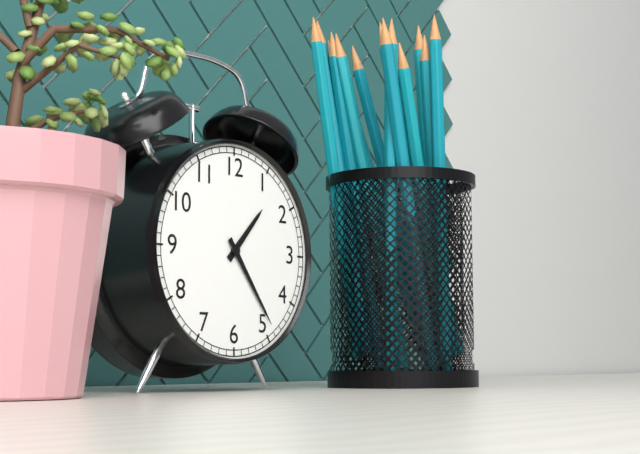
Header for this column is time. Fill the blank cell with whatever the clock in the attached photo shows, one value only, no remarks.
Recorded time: 1:24
